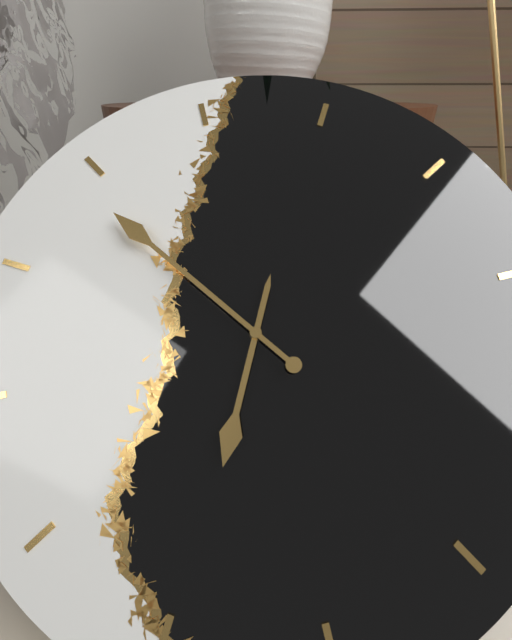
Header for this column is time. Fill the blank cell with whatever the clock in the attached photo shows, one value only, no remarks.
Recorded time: 6:54
